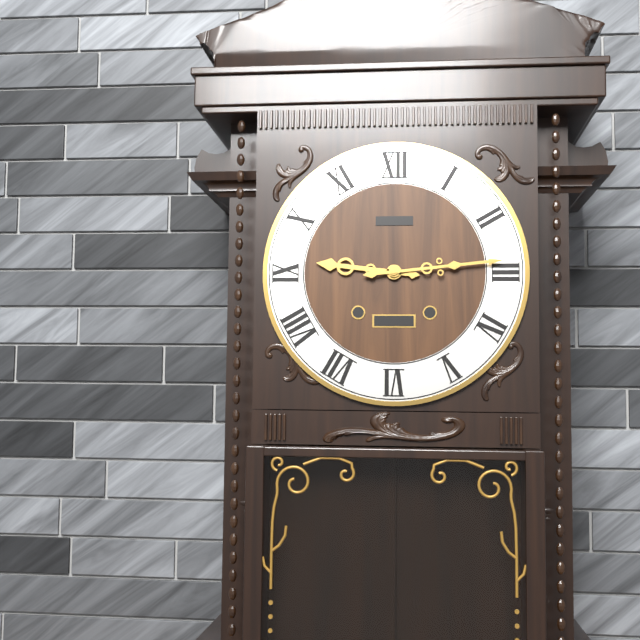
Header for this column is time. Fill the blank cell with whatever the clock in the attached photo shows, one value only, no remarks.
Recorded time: 9:14
